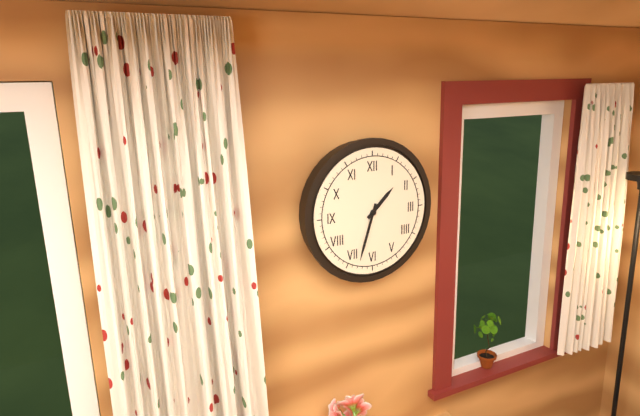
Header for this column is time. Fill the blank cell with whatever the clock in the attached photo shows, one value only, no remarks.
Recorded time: 1:33
